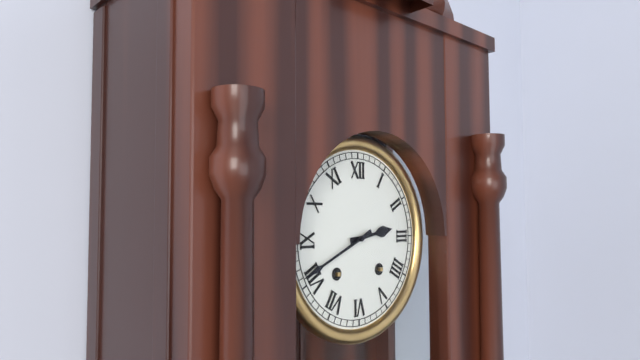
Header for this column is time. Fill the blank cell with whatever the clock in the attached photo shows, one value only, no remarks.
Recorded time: 2:41
